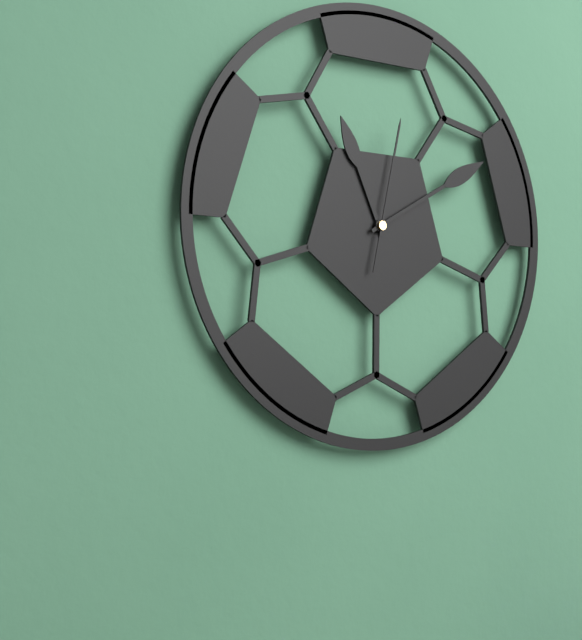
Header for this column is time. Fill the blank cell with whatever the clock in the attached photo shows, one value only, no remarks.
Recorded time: 11:10:02
